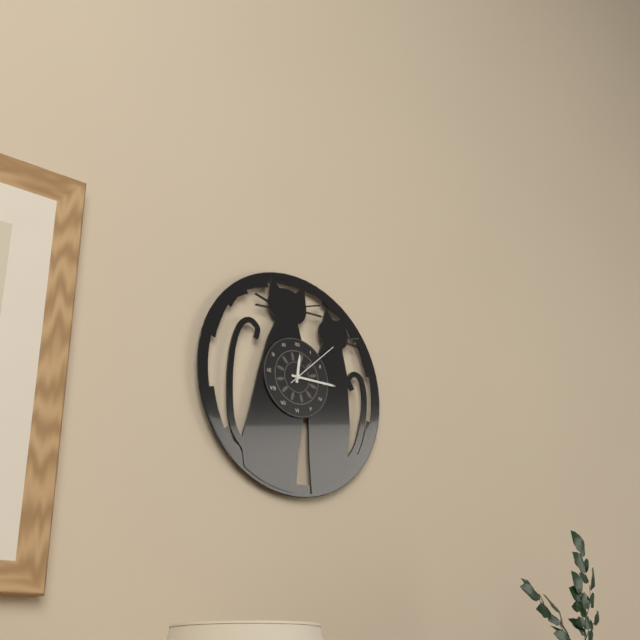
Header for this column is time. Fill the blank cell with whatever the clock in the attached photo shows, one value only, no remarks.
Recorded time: 12:15:08
